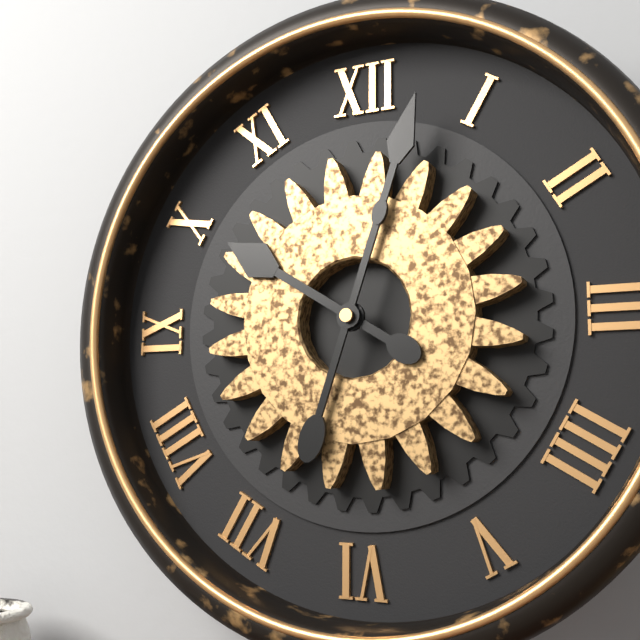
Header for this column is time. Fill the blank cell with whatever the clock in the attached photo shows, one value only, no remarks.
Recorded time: 10:03
